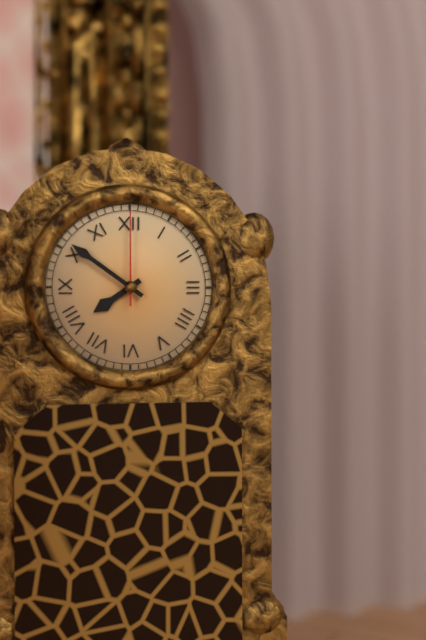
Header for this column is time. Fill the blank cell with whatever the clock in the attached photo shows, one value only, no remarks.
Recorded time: 7:51:00
